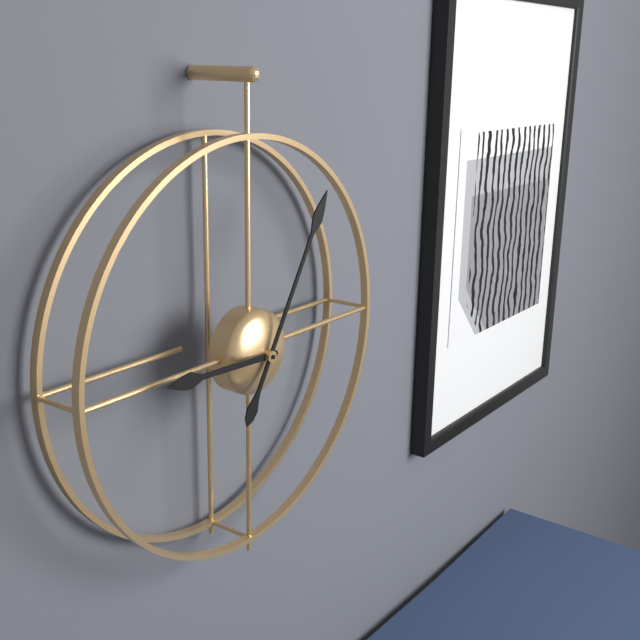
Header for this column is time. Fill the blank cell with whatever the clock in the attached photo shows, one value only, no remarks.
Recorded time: 9:05
